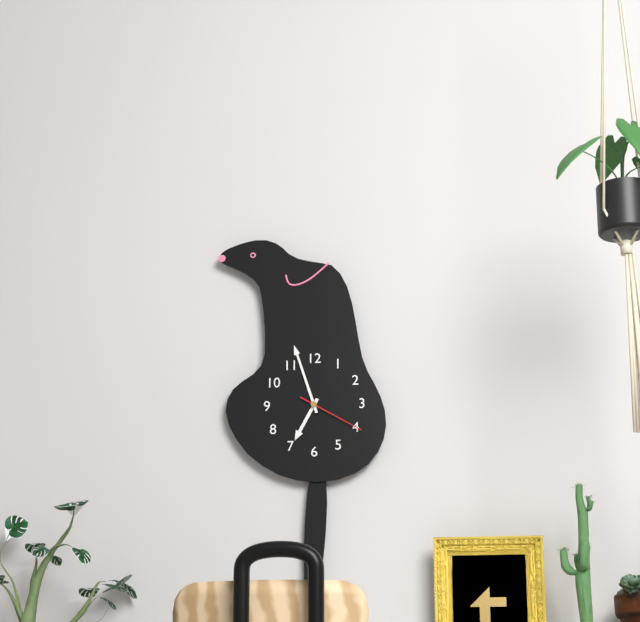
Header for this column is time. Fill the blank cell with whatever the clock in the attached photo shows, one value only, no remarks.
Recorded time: 6:57:20
